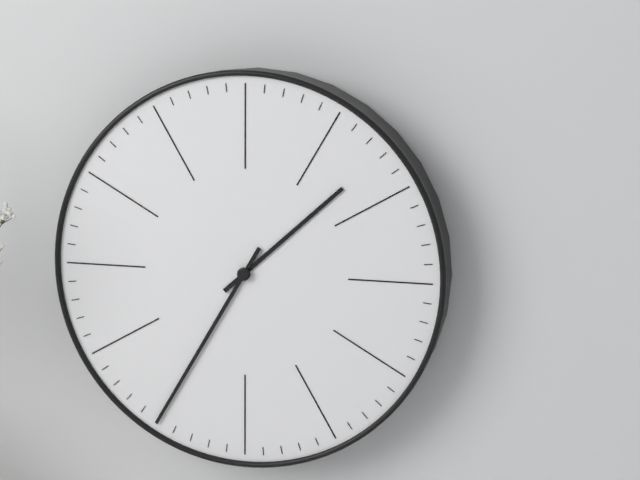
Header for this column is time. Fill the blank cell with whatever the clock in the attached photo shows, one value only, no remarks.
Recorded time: 1:35
